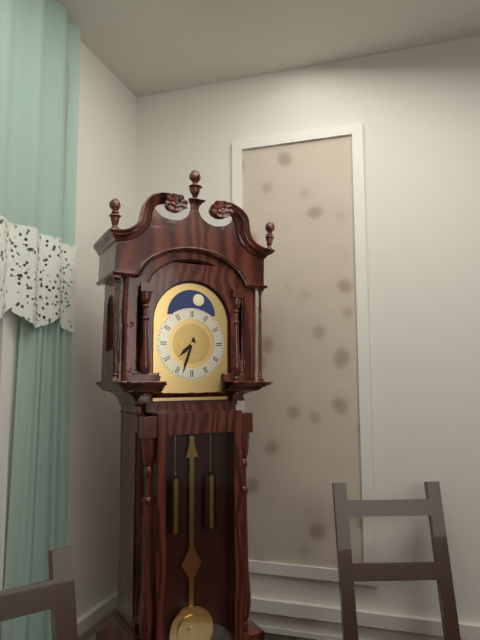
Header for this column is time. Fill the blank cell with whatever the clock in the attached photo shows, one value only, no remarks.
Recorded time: 7:33
